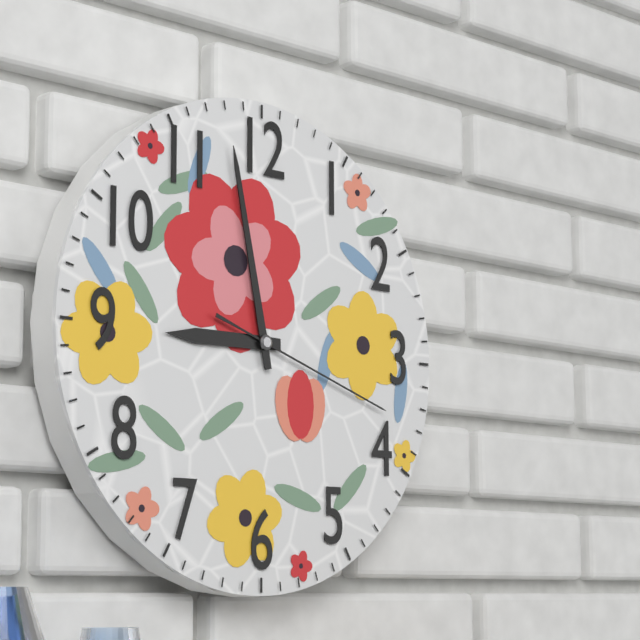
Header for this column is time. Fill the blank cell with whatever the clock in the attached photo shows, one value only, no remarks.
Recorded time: 8:58:18
